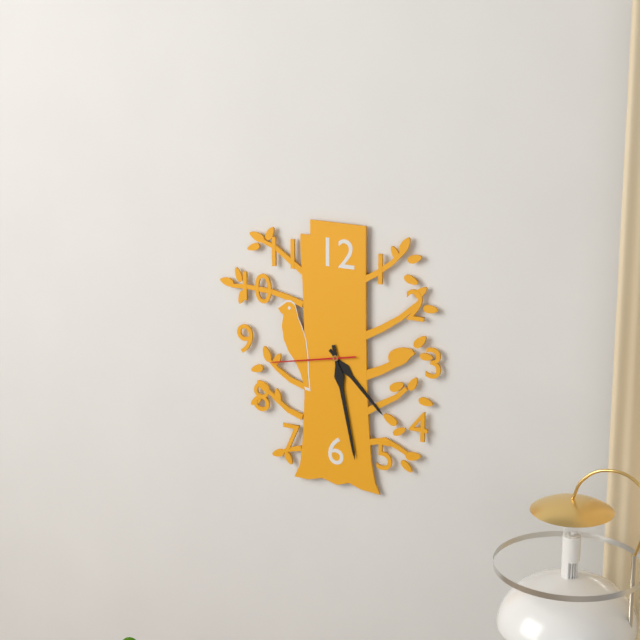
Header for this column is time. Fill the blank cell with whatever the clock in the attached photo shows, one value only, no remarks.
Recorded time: 4:28:43
